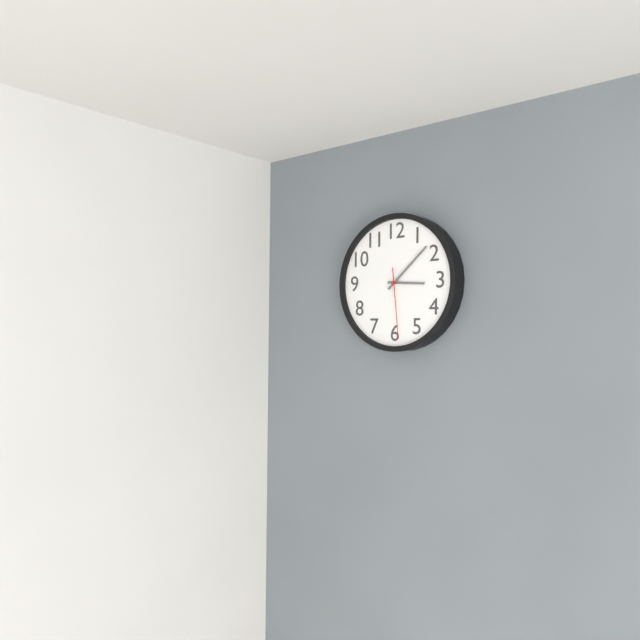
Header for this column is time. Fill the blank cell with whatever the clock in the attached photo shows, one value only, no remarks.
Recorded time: 3:08:29
